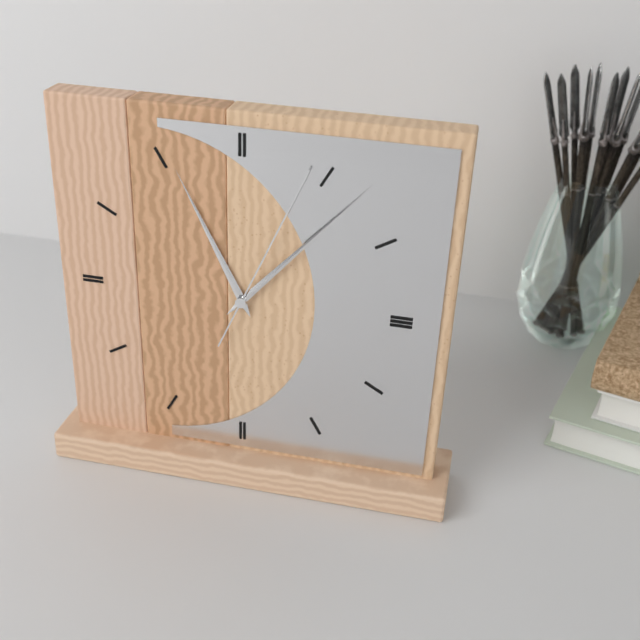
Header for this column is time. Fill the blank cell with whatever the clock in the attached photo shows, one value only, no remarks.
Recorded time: 11:07:04
